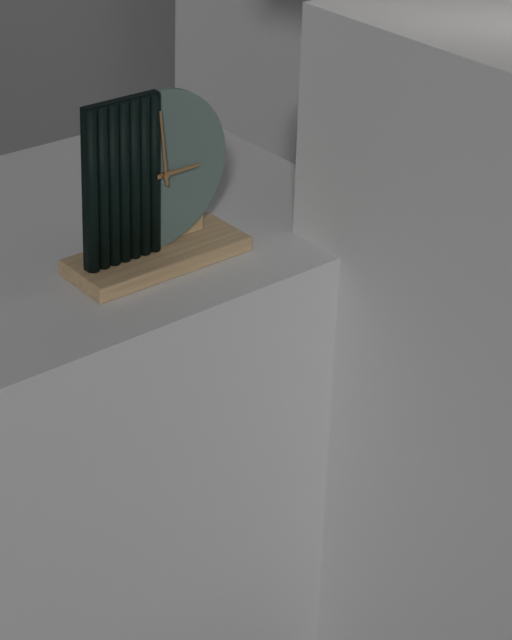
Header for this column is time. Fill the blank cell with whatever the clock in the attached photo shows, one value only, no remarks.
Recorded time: 2:59
